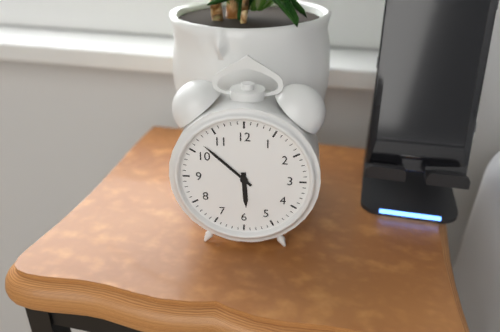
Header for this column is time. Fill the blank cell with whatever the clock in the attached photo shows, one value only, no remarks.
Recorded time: 5:52
